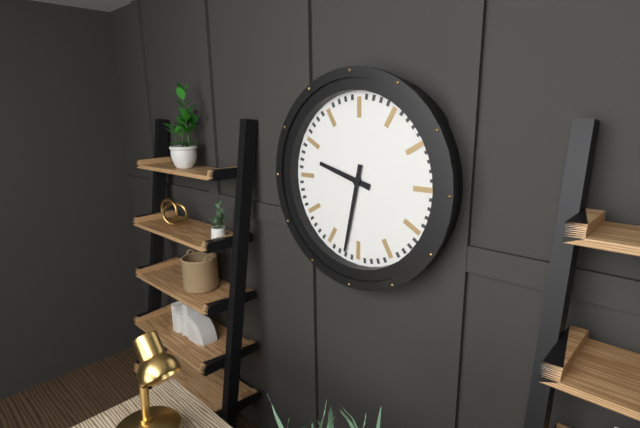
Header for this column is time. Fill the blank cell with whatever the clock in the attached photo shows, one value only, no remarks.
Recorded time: 9:32
